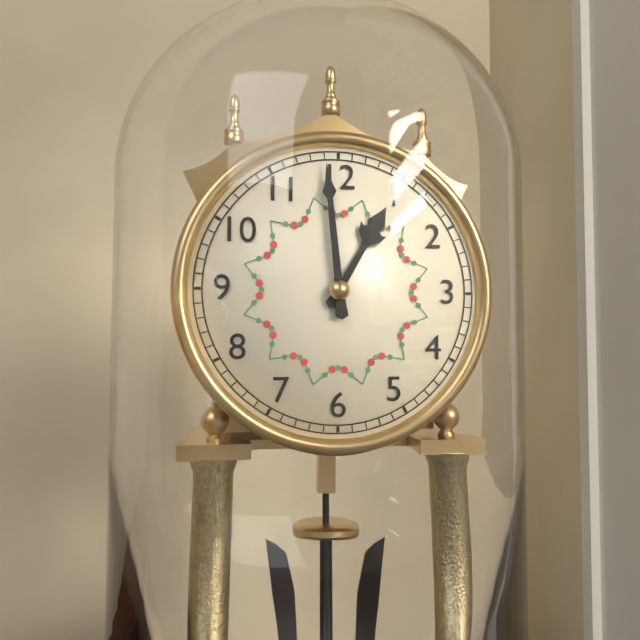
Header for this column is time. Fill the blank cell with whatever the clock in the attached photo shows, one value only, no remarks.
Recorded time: 12:59
